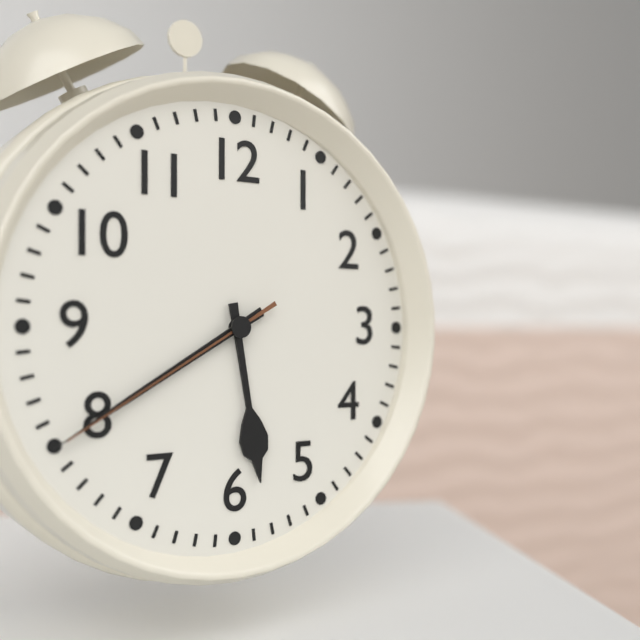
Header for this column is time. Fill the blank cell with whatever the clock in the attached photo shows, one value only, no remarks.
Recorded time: 5:40:40
